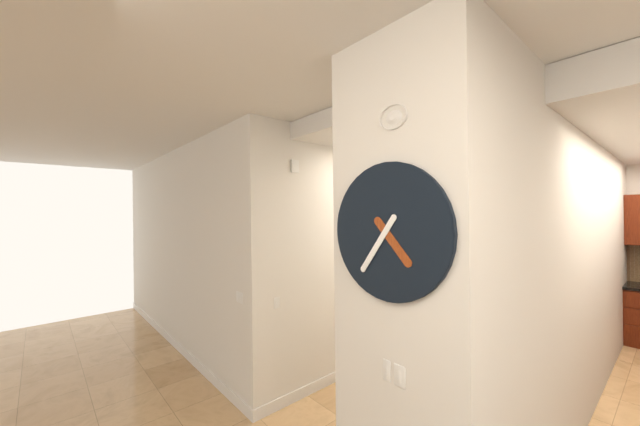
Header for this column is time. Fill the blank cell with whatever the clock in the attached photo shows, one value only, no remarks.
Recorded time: 4:36
